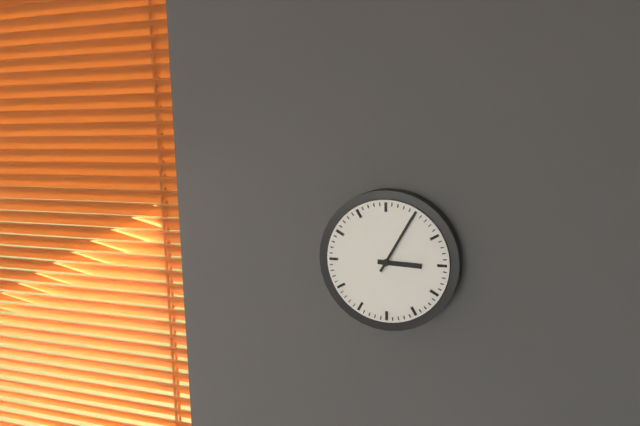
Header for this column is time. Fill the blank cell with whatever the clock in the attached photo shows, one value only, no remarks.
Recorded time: 3:05
